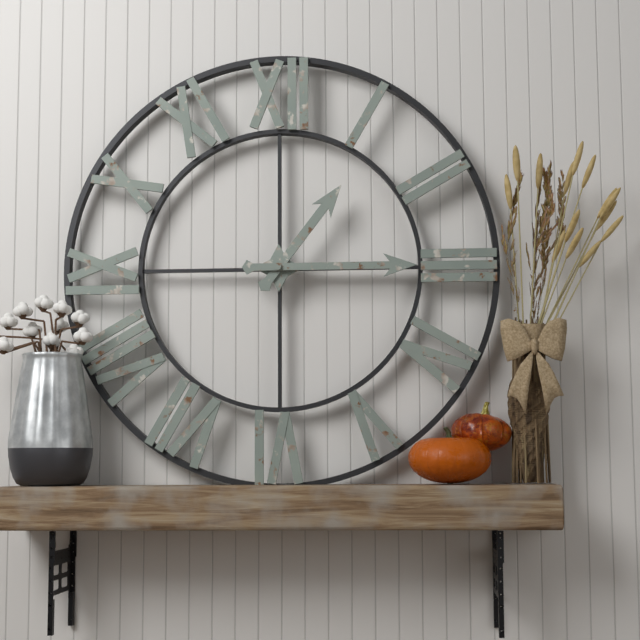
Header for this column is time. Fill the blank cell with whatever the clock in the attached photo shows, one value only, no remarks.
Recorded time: 1:15
